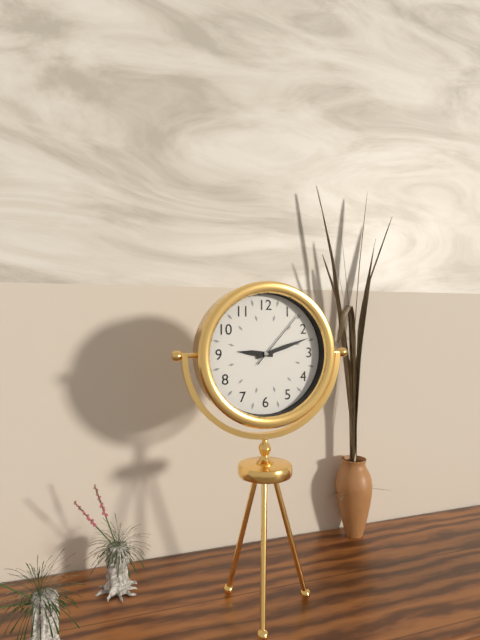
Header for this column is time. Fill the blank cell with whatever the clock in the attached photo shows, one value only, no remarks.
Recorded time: 9:12:07
